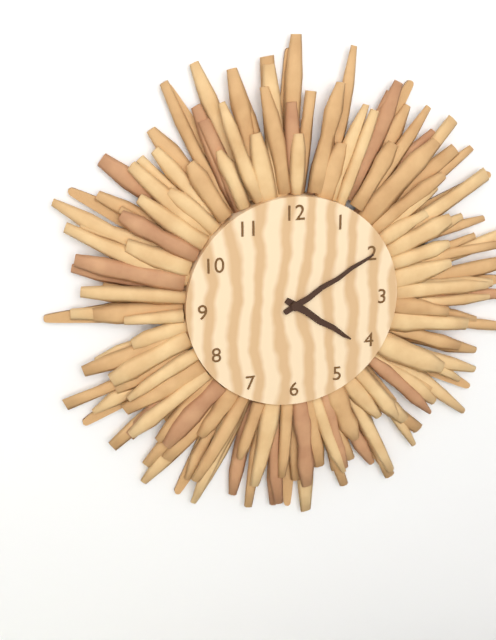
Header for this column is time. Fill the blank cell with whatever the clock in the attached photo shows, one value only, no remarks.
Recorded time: 4:10
